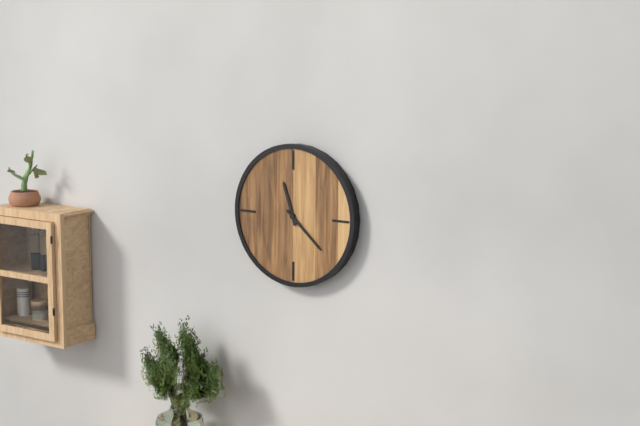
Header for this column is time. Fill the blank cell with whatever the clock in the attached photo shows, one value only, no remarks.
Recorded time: 11:22
